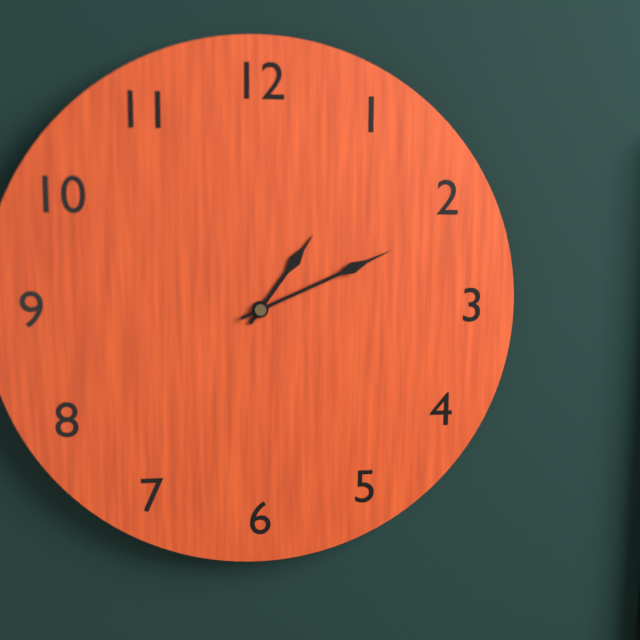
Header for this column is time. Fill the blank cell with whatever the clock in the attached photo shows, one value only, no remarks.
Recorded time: 1:11
